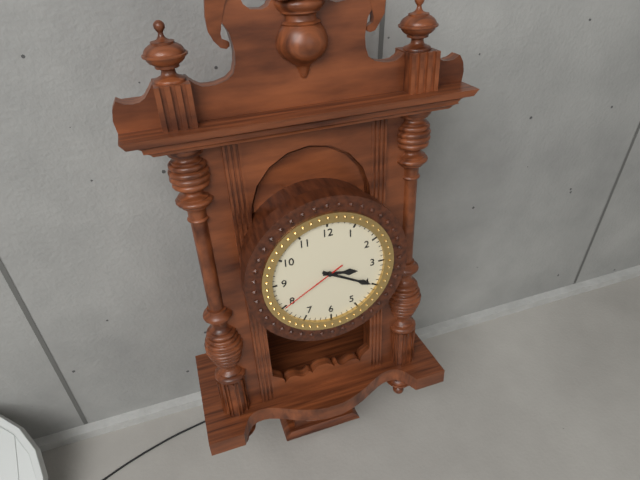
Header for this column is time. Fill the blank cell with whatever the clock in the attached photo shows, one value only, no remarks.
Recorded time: 3:20:40
